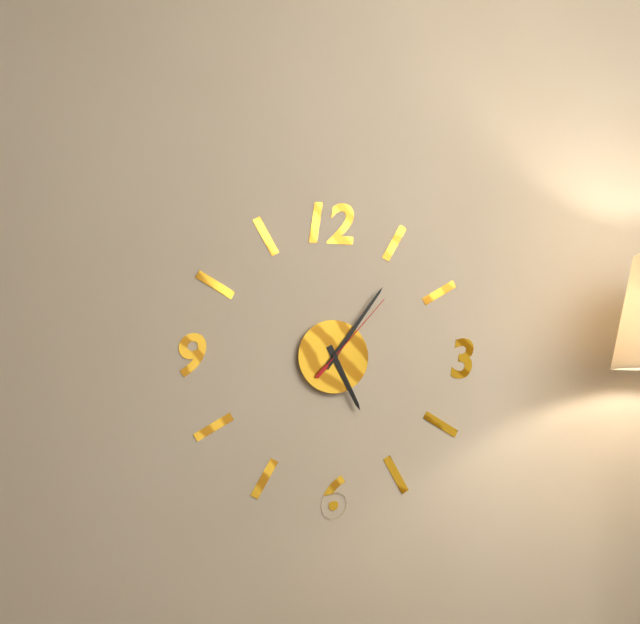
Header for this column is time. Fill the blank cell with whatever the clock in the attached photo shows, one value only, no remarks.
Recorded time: 5:06:07
